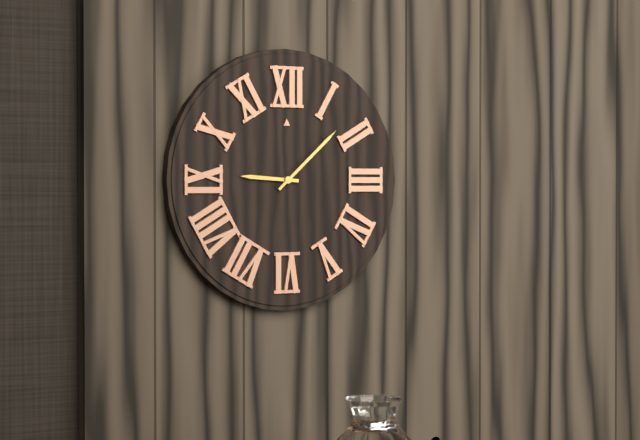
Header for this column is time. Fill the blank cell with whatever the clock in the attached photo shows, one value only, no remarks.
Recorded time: 9:08
